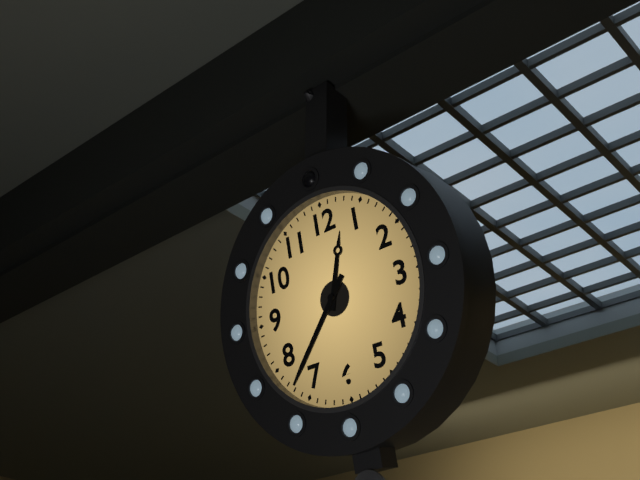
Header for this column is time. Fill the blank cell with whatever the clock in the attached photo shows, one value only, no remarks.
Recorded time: 12:37
